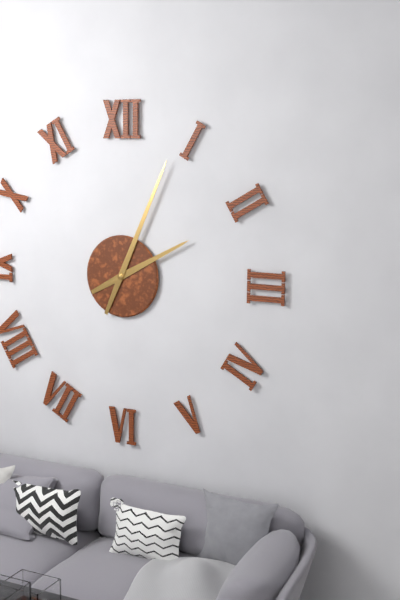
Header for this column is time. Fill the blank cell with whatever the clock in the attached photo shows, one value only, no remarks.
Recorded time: 2:04
